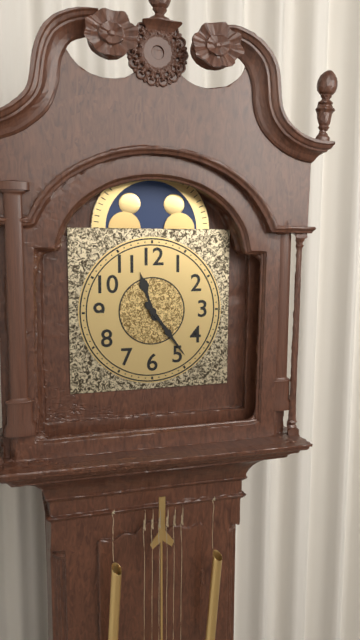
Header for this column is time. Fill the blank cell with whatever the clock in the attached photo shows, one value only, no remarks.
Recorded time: 11:24
